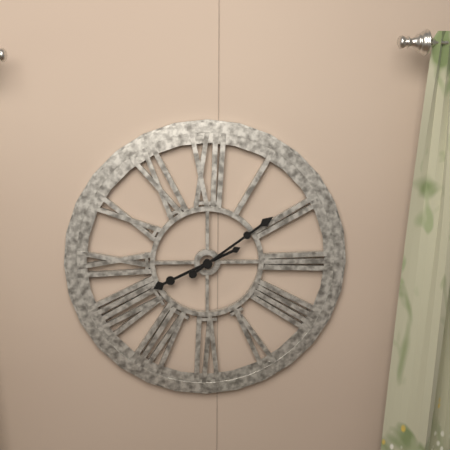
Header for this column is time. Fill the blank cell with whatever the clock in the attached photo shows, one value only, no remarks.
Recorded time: 8:09
